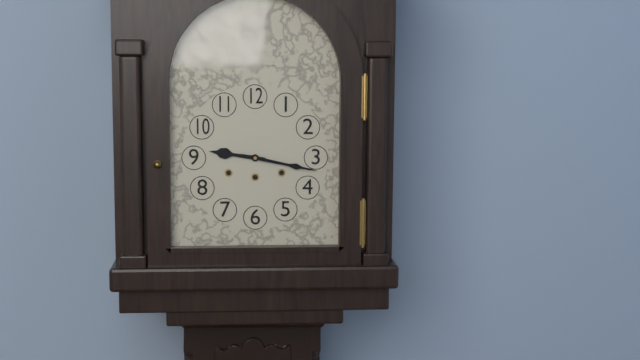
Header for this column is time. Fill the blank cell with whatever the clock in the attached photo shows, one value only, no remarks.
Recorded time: 9:17
